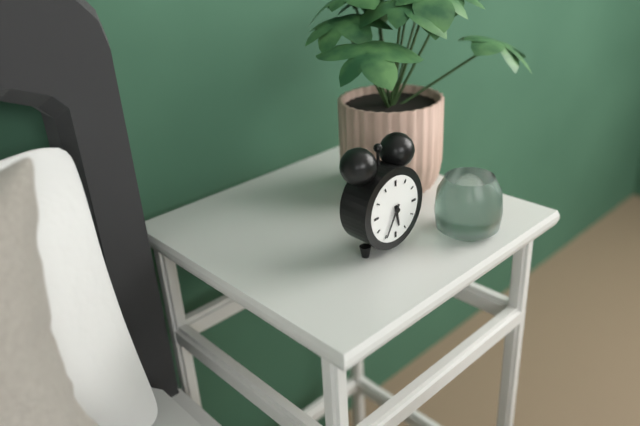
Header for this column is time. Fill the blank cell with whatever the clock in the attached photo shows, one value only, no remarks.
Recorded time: 5:35
